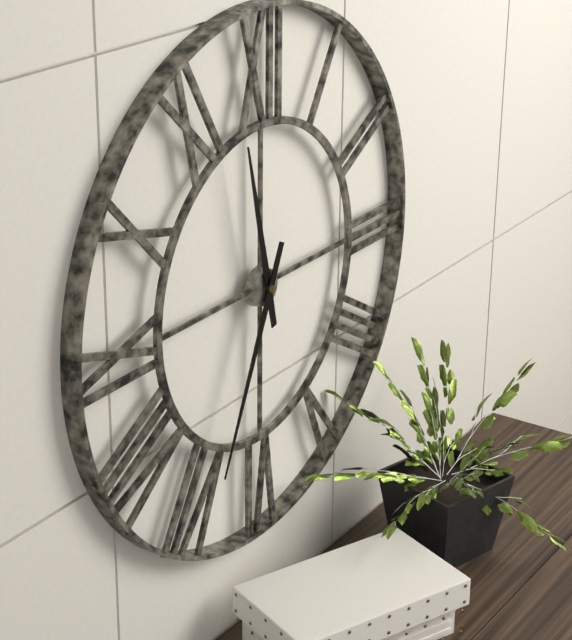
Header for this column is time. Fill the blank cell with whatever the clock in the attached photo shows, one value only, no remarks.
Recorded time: 11:34
